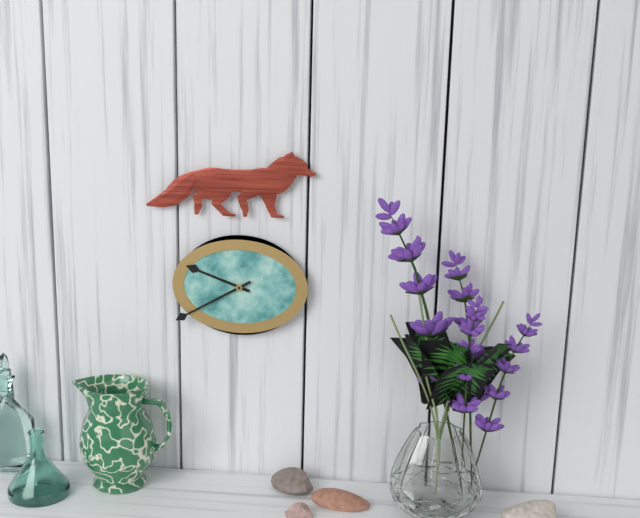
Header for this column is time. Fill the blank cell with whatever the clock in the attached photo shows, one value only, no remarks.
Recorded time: 9:40
